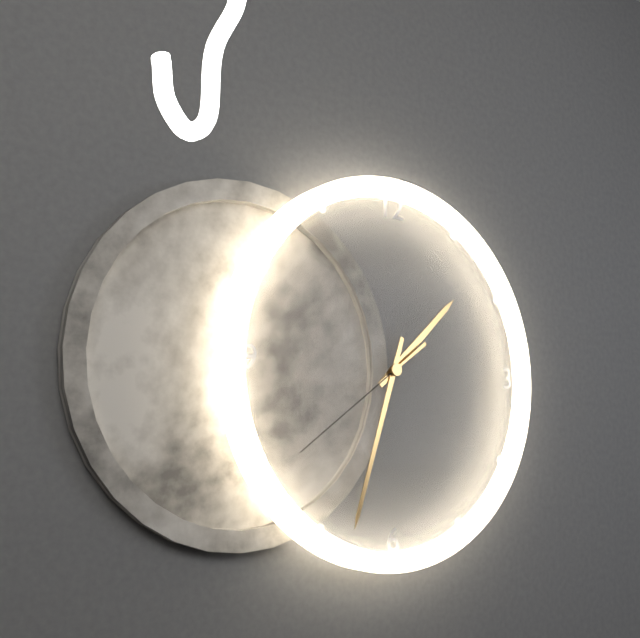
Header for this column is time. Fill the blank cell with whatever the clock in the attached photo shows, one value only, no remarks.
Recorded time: 1:33:39
